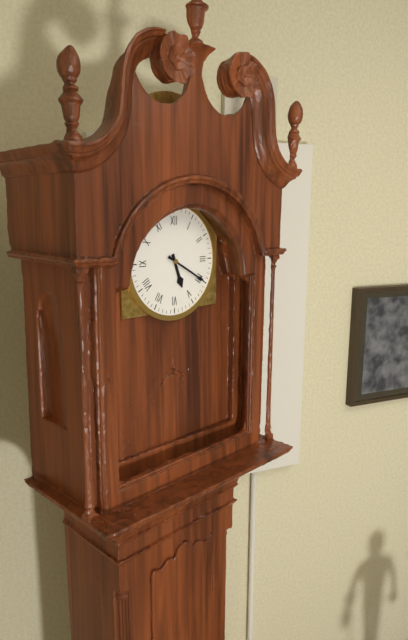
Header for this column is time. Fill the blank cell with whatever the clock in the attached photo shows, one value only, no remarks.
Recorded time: 5:20
